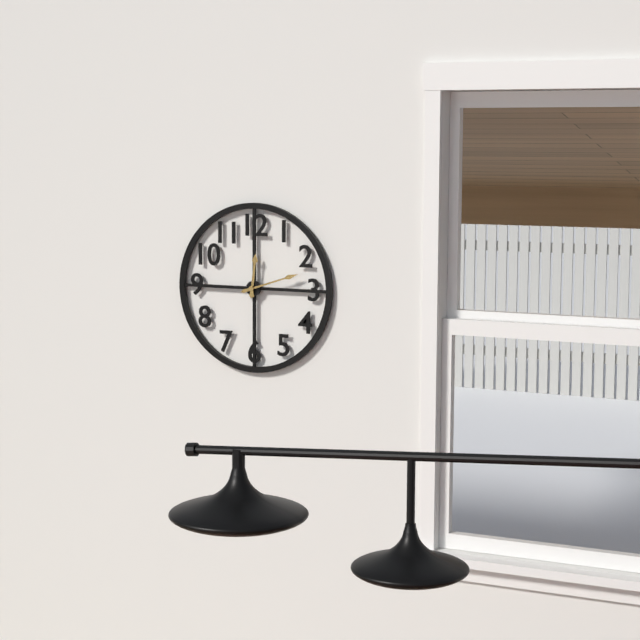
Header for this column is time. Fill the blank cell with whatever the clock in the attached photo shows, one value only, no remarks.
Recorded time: 12:12
